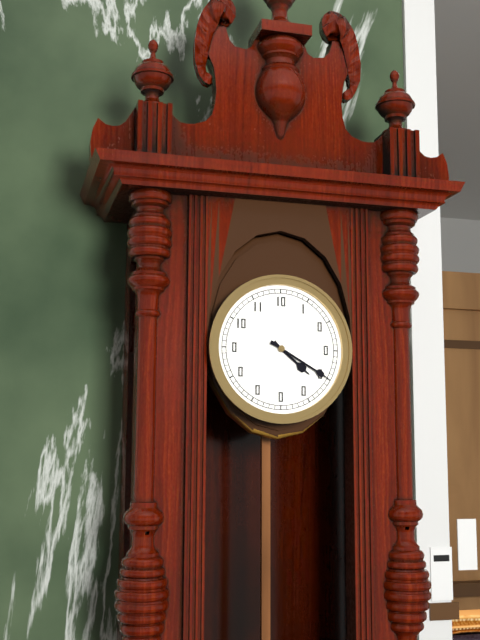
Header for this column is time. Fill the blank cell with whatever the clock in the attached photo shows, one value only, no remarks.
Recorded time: 4:20
